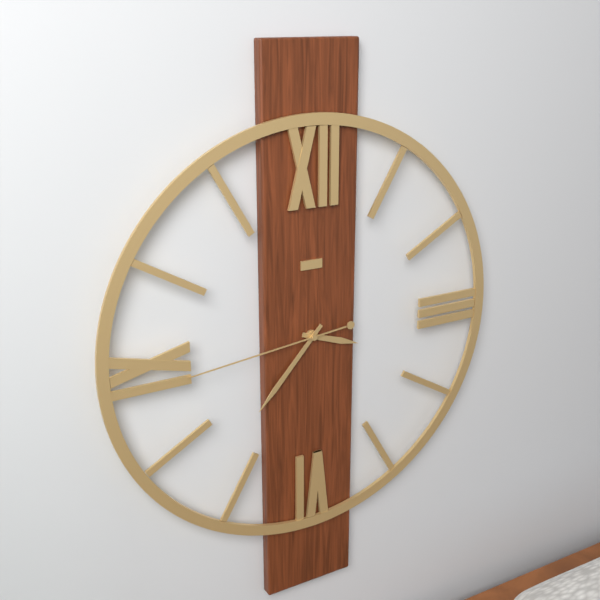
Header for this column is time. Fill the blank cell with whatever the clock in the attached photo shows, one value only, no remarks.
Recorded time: 3:37:44
